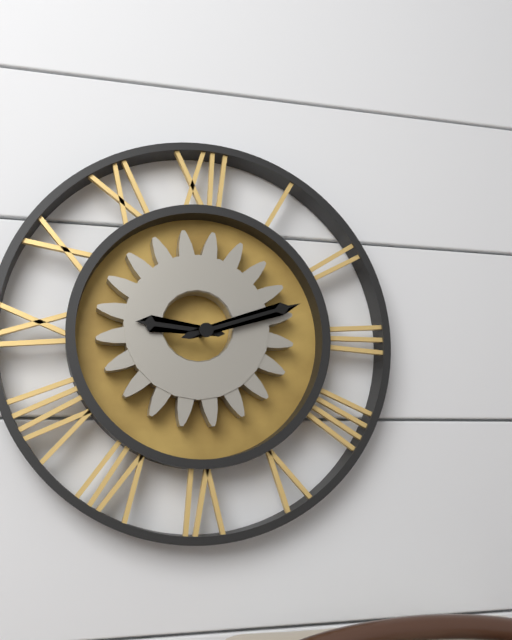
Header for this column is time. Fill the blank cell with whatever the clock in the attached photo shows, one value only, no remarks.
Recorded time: 9:12
